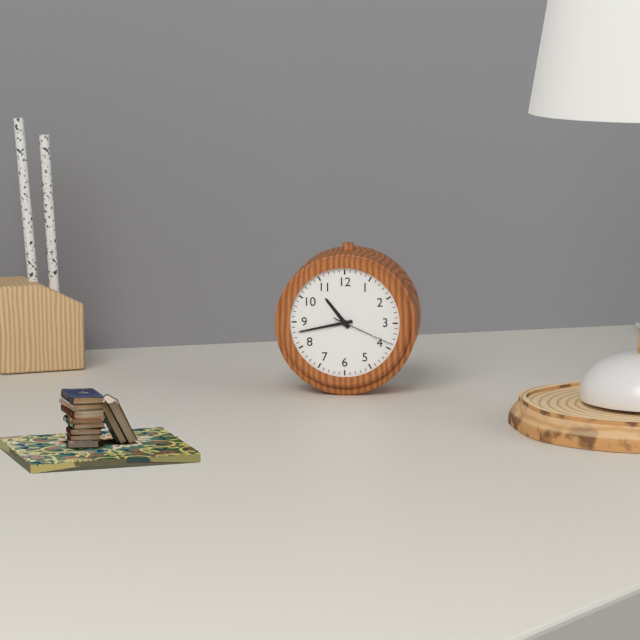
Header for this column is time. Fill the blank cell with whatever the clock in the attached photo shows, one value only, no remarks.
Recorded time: 10:43:19
